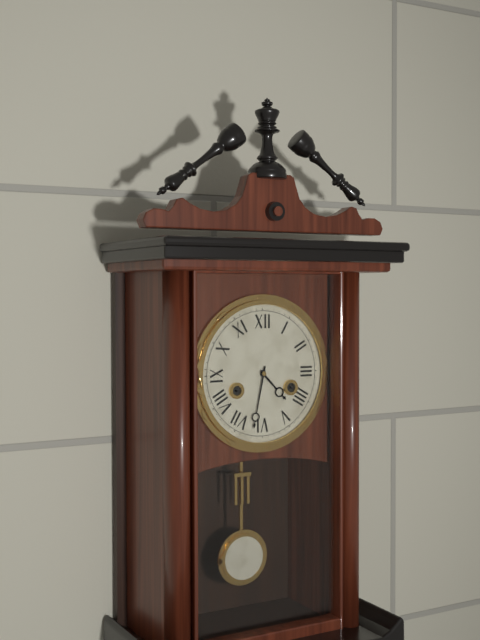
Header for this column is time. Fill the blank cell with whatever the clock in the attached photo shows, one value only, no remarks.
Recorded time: 4:32
